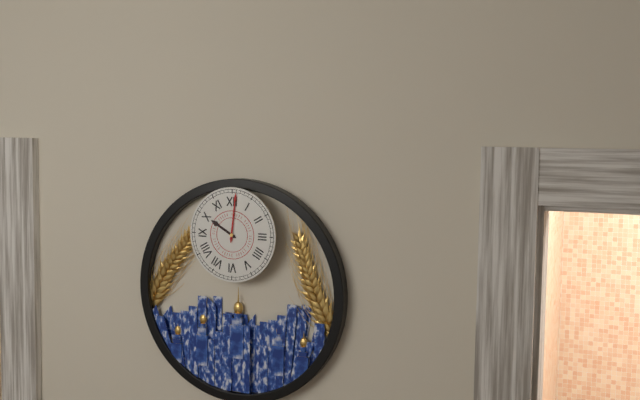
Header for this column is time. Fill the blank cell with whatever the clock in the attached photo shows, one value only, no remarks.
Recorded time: 10:01
